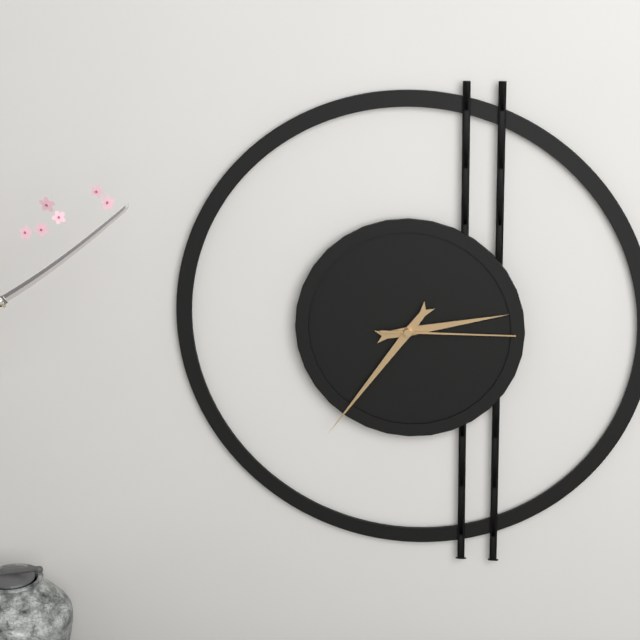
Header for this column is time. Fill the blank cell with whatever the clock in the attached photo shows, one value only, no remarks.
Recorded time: 2:36:15
